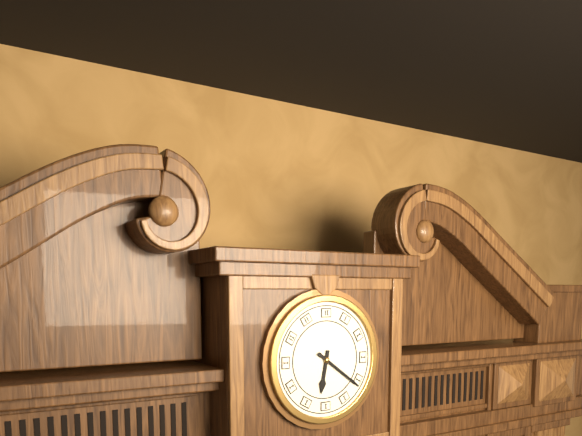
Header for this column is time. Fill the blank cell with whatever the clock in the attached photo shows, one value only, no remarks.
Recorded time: 6:21
